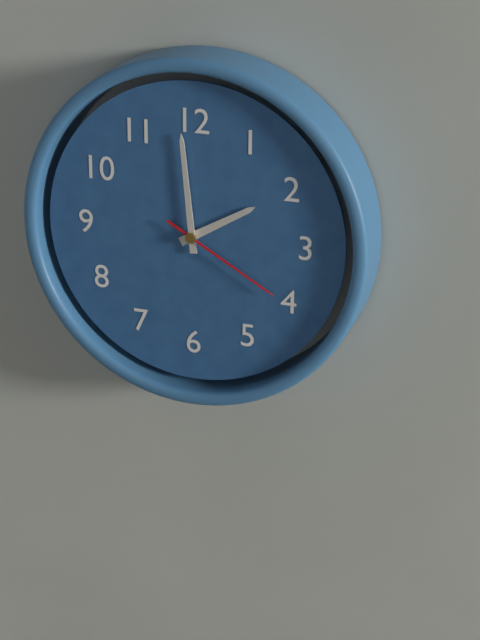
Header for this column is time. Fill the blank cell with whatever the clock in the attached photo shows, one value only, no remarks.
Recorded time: 1:59:20
